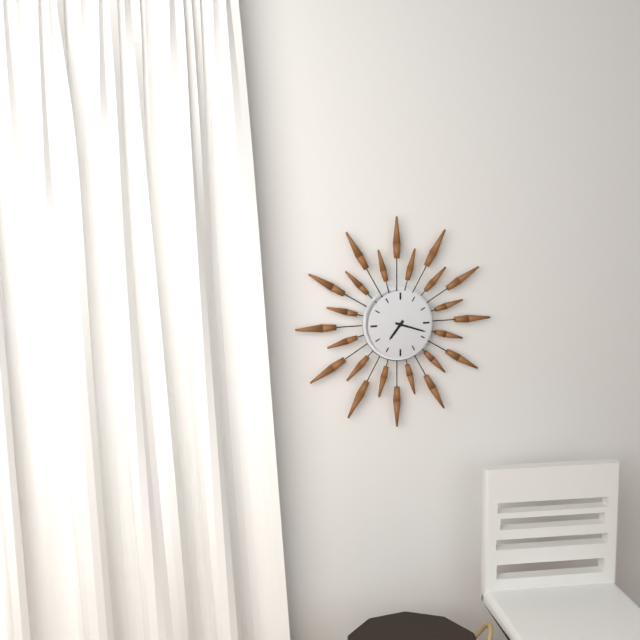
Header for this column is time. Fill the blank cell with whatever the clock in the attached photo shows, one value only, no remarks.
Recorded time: 7:18
